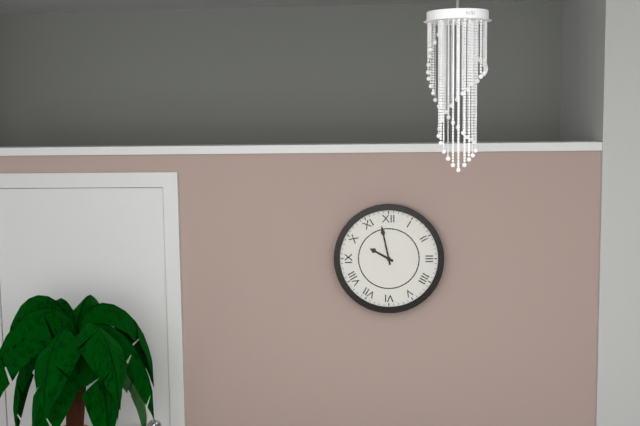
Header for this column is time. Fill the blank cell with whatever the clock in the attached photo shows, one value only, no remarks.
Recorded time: 9:58
